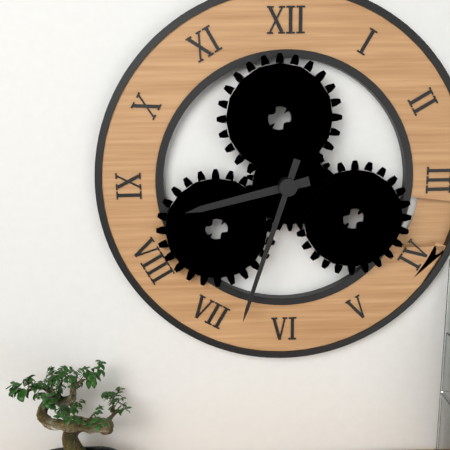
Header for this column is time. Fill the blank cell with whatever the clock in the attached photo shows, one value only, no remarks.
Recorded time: 8:33
